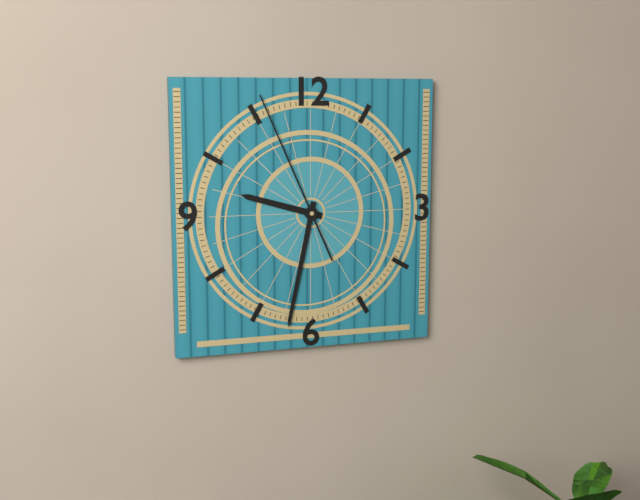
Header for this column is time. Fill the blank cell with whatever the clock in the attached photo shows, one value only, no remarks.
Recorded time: 9:32:56
